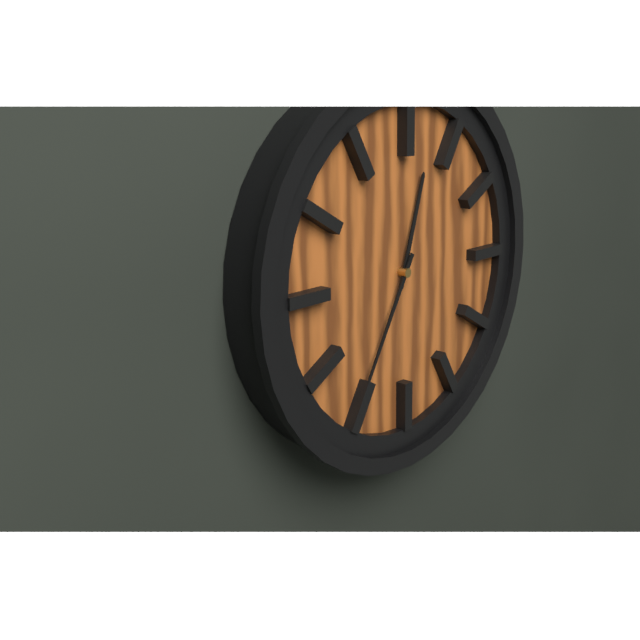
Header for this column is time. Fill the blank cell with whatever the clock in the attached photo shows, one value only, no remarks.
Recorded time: 12:35
